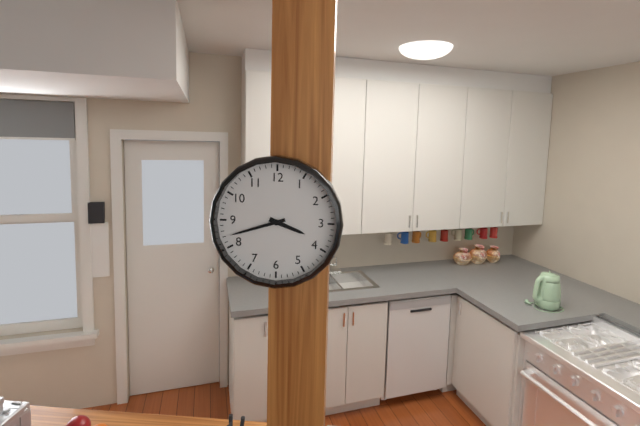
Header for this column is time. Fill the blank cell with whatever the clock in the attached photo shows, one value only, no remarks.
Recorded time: 3:42
